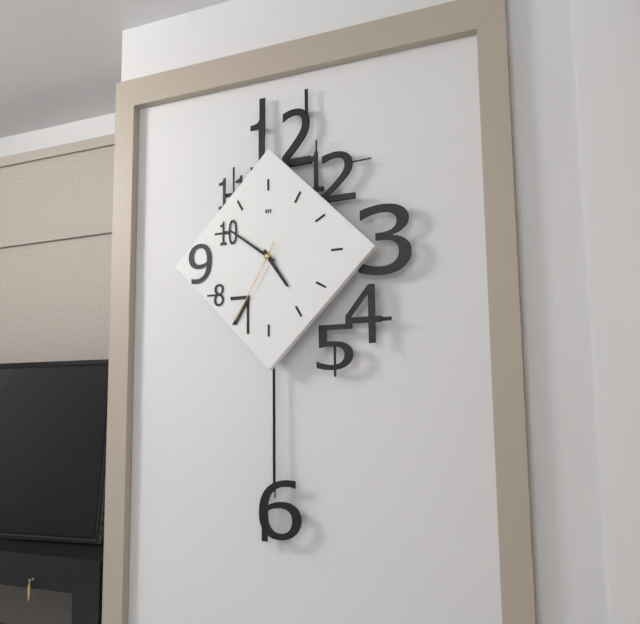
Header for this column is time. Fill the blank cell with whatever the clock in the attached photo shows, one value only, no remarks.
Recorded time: 4:51:35
